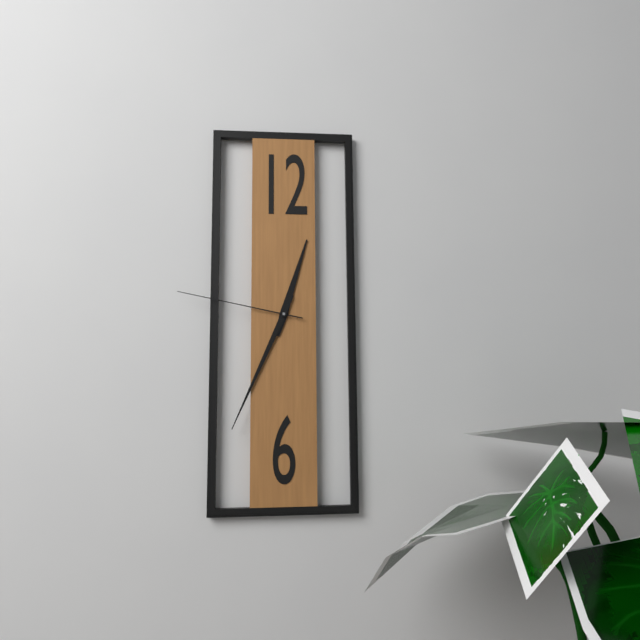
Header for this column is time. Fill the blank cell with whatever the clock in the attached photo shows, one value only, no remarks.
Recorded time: 12:34:47
